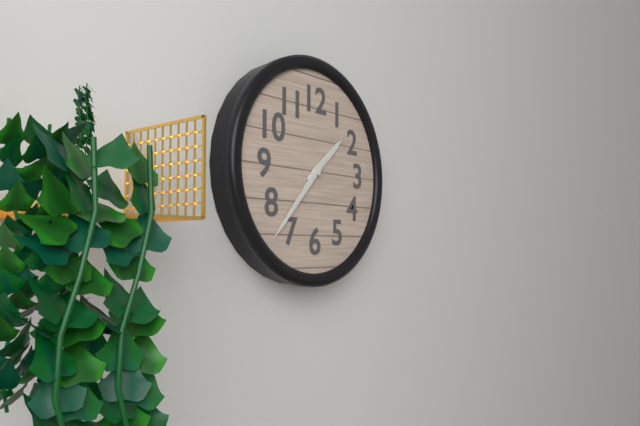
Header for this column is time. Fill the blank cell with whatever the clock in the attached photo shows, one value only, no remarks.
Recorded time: 1:37
